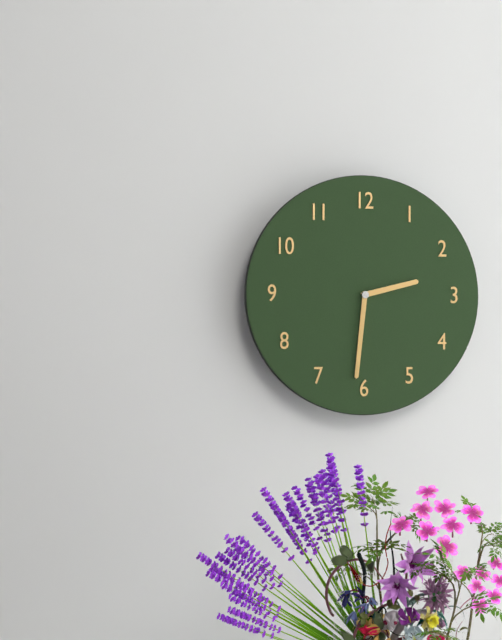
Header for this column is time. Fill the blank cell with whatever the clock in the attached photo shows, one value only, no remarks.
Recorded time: 2:31
